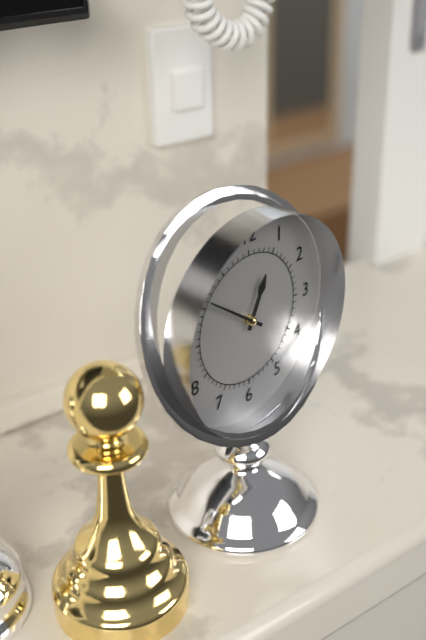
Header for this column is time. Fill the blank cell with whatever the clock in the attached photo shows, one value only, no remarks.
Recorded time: 12:51
